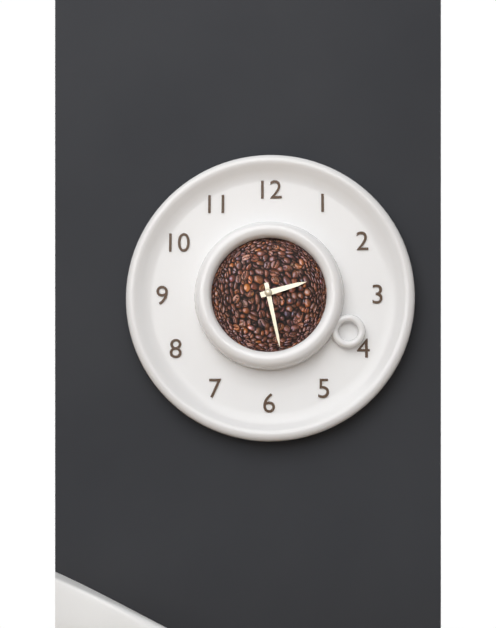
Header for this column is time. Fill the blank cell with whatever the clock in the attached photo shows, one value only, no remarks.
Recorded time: 2:28
